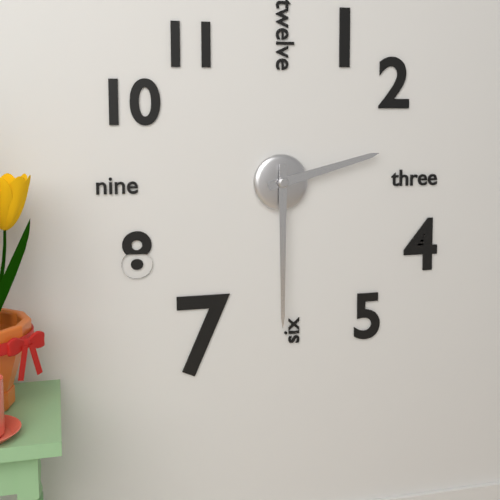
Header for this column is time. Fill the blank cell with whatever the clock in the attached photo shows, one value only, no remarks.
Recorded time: 2:30
